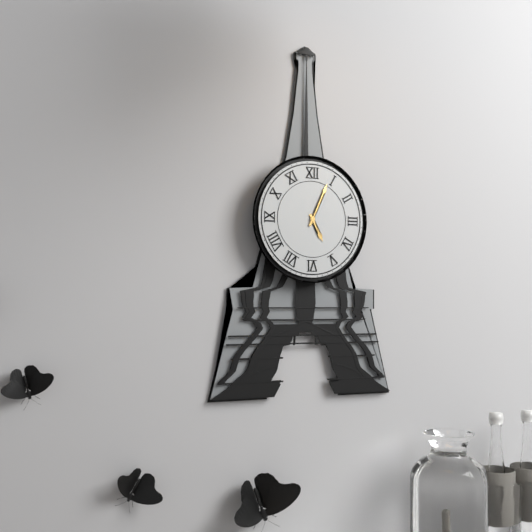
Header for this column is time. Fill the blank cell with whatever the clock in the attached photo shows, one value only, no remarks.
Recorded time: 5:04
